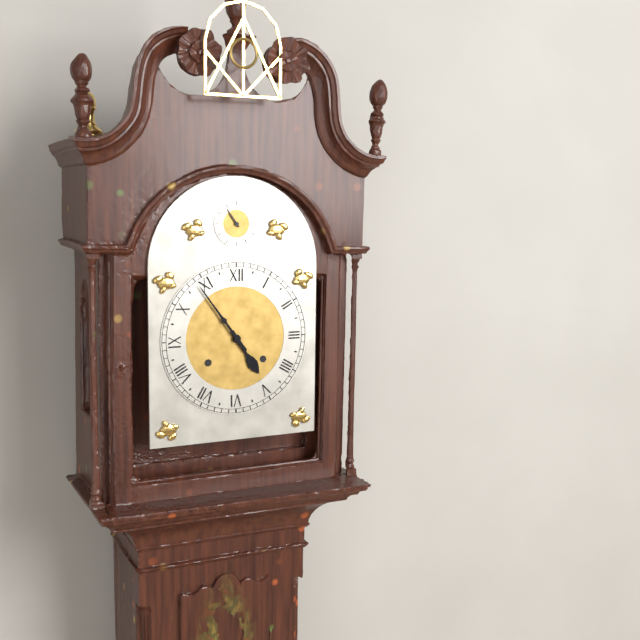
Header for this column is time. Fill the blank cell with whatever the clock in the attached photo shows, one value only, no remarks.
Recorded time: 4:54
